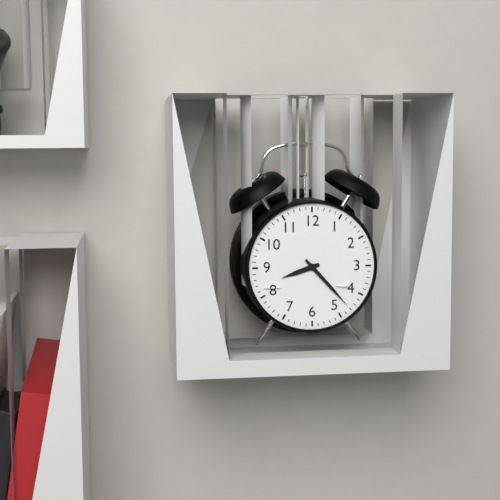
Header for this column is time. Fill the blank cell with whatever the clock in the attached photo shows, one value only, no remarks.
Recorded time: 8:23
